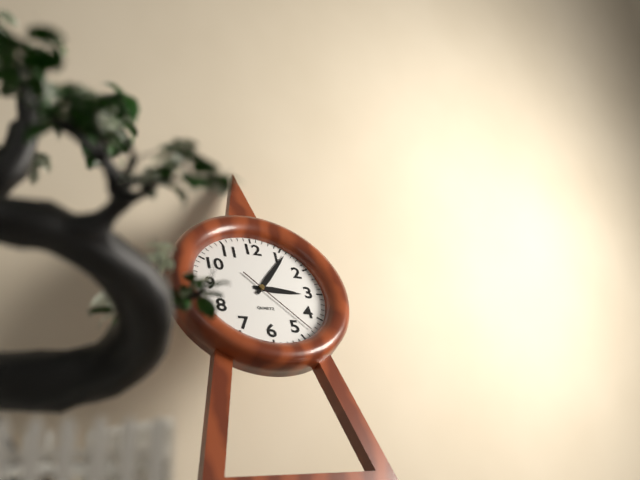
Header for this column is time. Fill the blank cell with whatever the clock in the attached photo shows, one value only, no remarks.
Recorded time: 3:06:23
